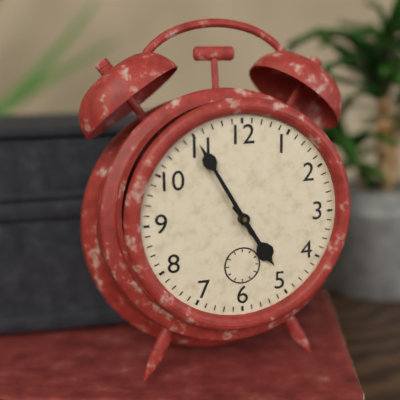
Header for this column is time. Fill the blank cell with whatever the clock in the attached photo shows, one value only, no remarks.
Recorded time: 4:55
